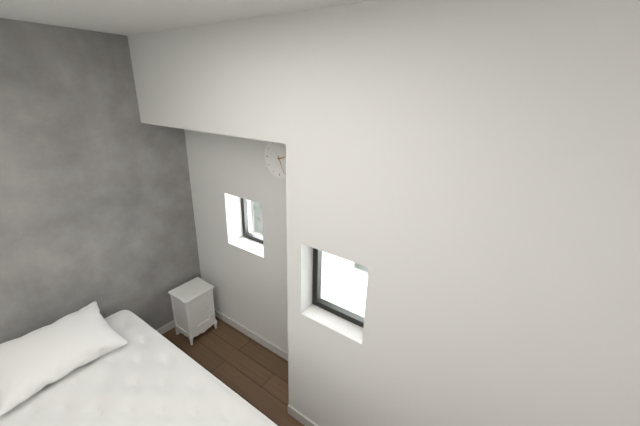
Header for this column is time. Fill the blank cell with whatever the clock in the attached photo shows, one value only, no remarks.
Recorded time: 2:26
